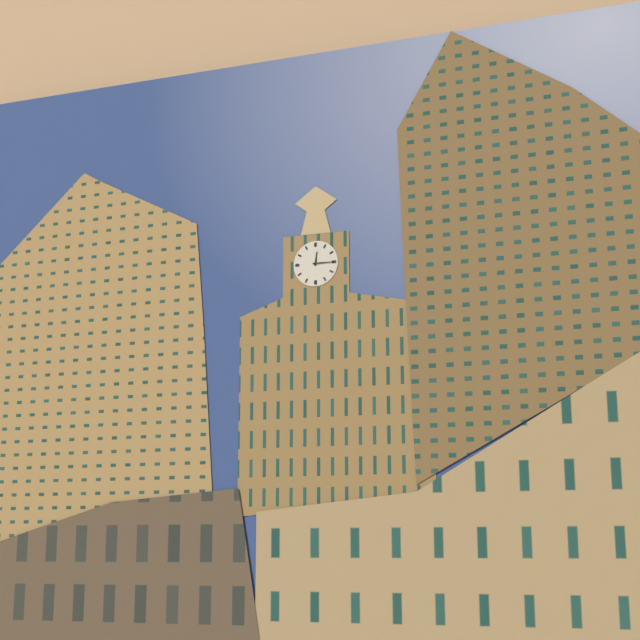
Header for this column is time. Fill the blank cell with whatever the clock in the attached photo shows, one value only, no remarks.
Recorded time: 12:15
